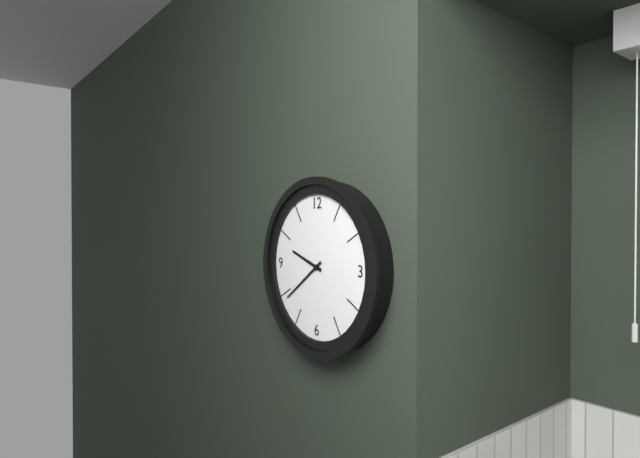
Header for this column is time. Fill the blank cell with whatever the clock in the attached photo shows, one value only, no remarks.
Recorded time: 9:39
